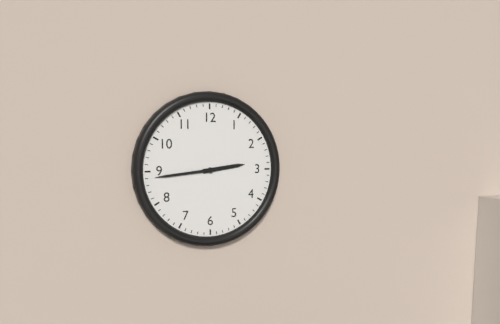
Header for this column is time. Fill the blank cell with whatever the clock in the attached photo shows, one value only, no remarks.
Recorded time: 2:44
